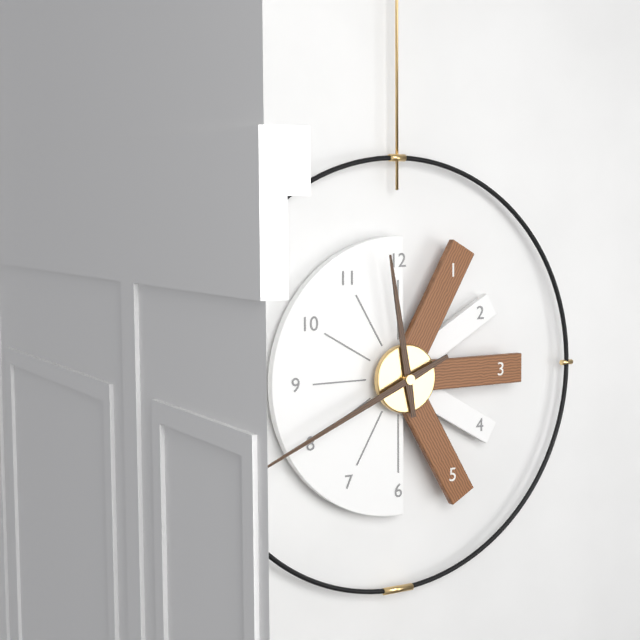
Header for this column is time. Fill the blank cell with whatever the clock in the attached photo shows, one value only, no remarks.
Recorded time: 11:41
